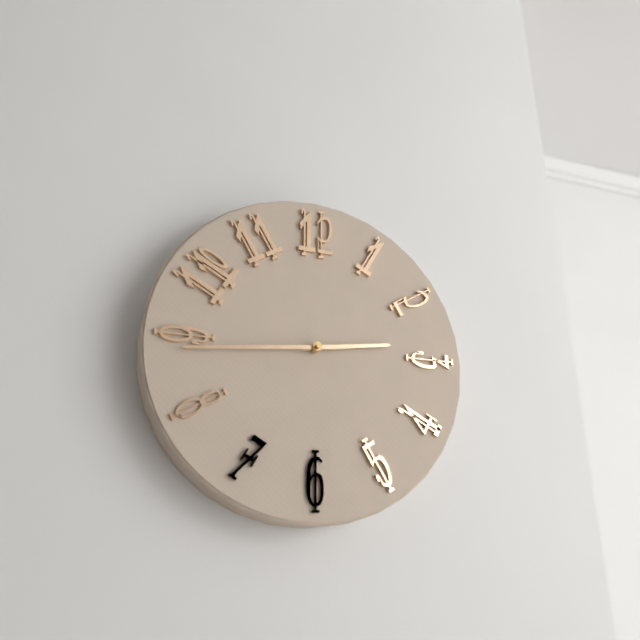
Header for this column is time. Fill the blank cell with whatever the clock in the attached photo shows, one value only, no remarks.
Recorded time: 2:44
